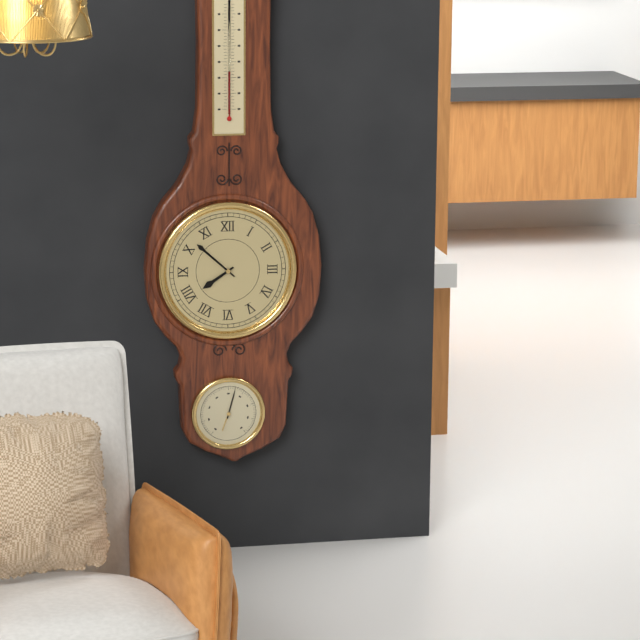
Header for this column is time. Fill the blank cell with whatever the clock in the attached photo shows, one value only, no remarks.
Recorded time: 7:52
